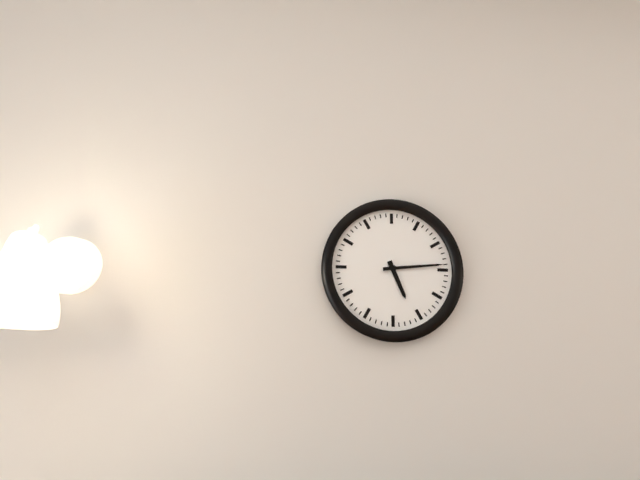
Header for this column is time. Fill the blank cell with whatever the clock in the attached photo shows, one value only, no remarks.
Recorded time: 5:14
